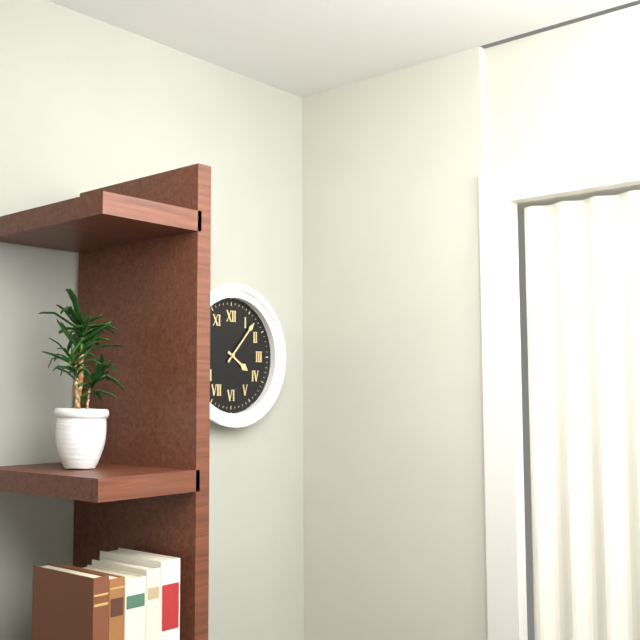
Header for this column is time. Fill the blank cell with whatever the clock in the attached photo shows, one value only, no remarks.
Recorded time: 4:07
